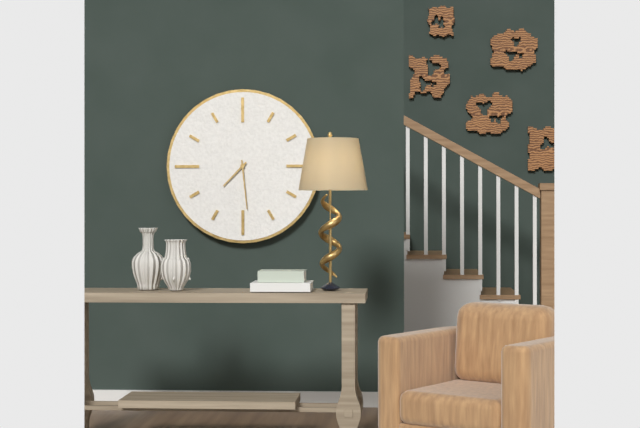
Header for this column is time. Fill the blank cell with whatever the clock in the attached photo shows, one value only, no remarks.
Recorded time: 7:29
